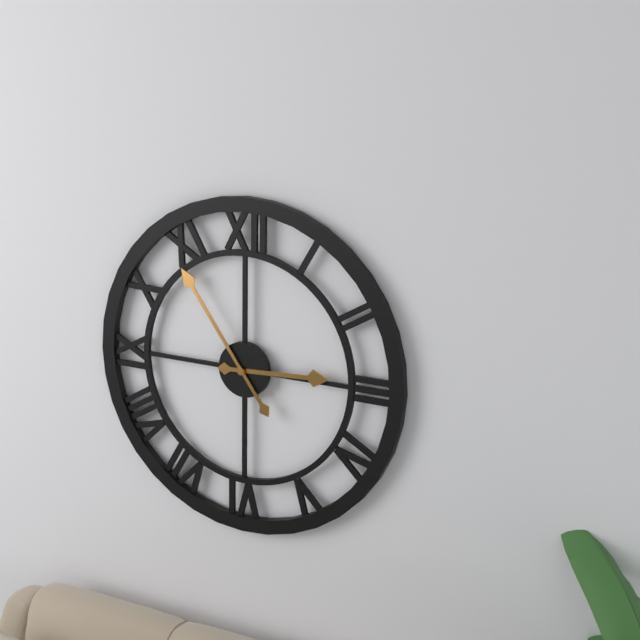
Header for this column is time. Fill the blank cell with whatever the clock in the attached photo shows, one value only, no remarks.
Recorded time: 2:54
